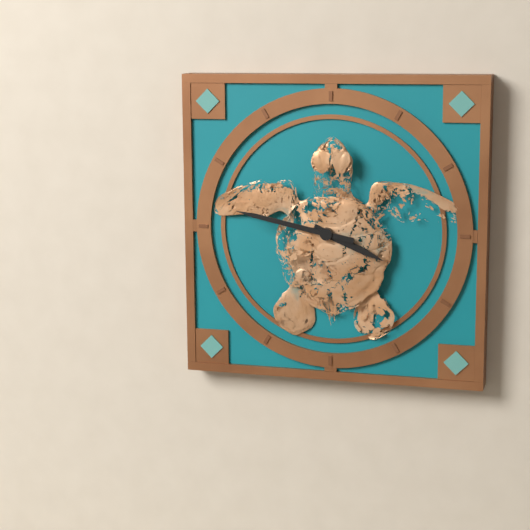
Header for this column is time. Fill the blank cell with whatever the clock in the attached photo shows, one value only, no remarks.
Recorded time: 3:47
